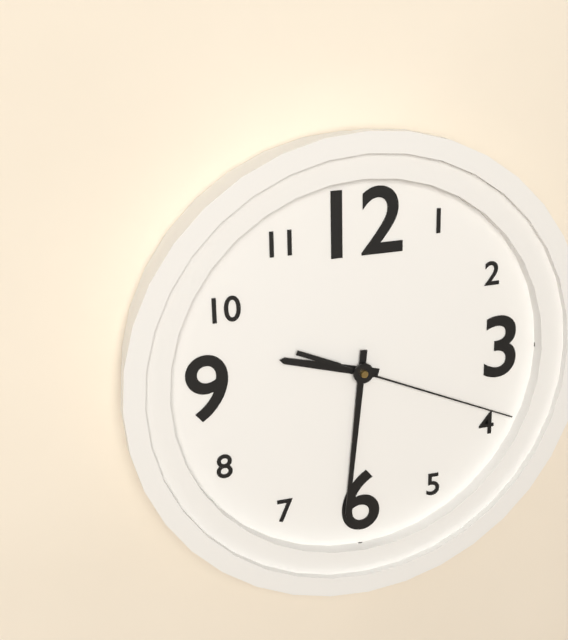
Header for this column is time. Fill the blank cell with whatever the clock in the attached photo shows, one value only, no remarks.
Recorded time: 9:31:19
